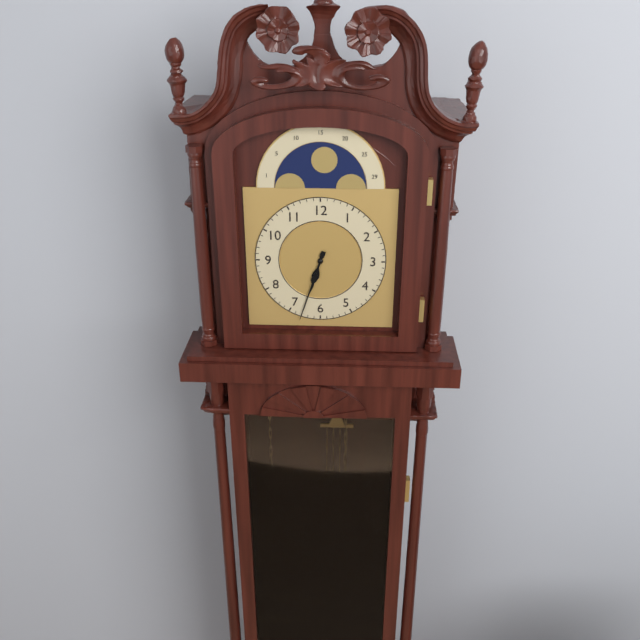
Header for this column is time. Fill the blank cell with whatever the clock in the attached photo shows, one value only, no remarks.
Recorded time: 6:33
